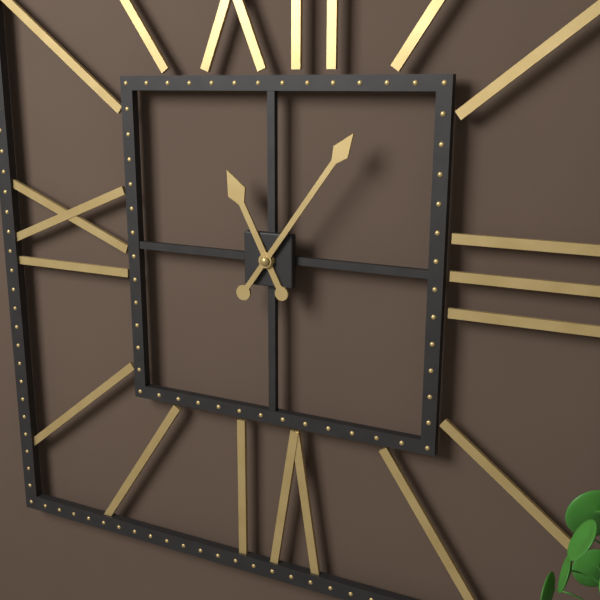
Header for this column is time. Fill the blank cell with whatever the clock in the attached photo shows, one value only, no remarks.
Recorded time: 11:06
